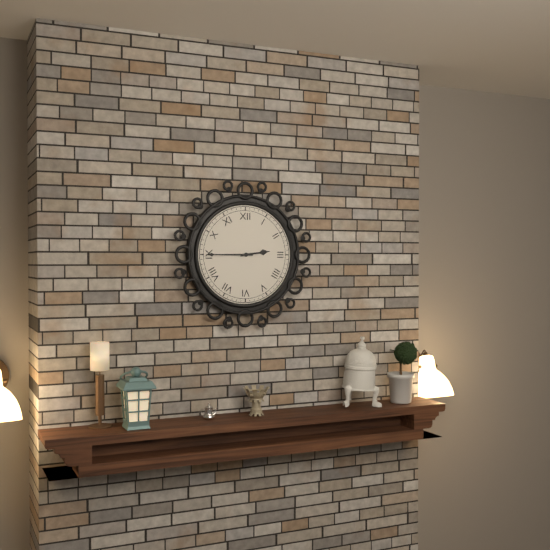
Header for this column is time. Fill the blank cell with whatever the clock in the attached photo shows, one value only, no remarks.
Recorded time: 2:45
